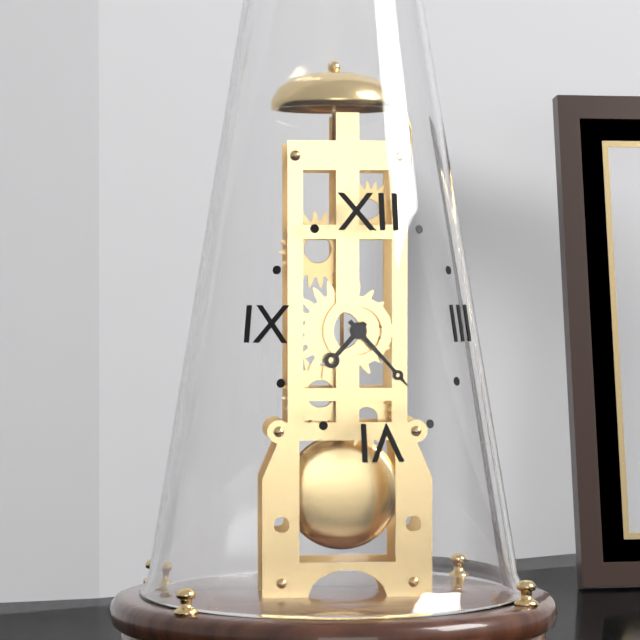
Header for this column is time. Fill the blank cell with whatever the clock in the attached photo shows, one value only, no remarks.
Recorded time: 7:23
